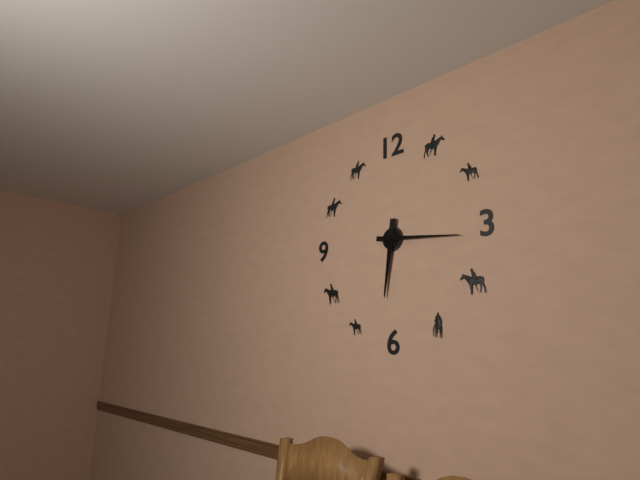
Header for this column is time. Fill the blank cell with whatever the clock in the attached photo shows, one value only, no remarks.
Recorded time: 6:16
